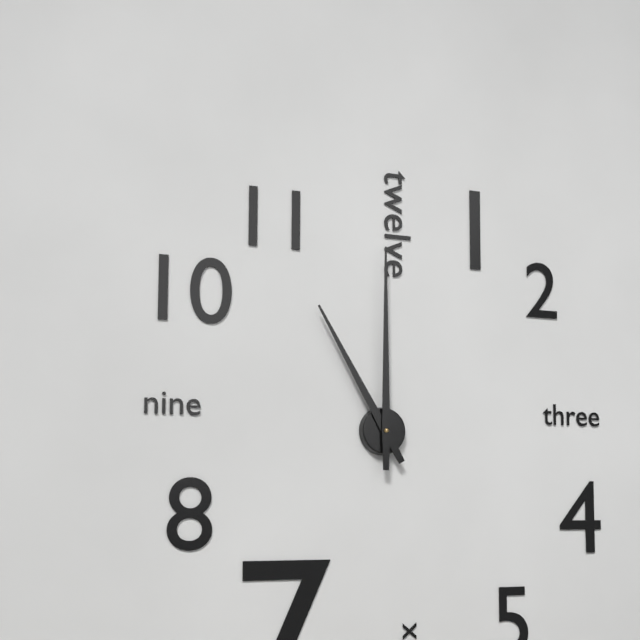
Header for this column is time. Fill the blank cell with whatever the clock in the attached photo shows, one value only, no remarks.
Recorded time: 11:00
